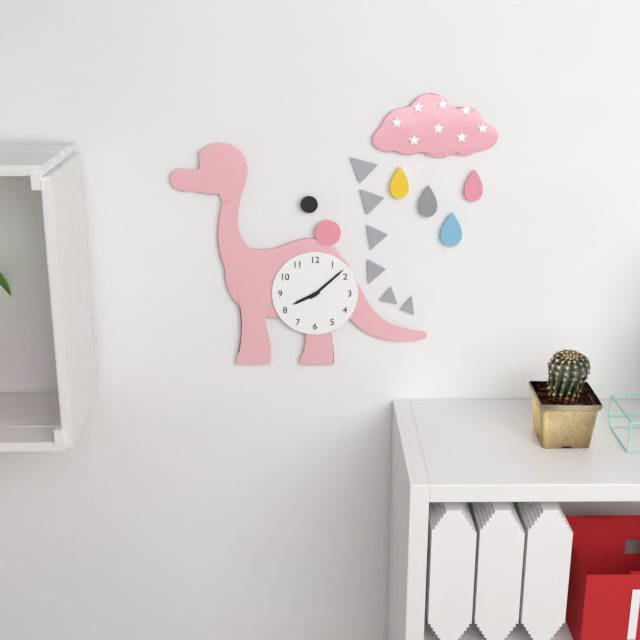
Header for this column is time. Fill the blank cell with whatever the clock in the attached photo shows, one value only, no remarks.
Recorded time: 8:08
